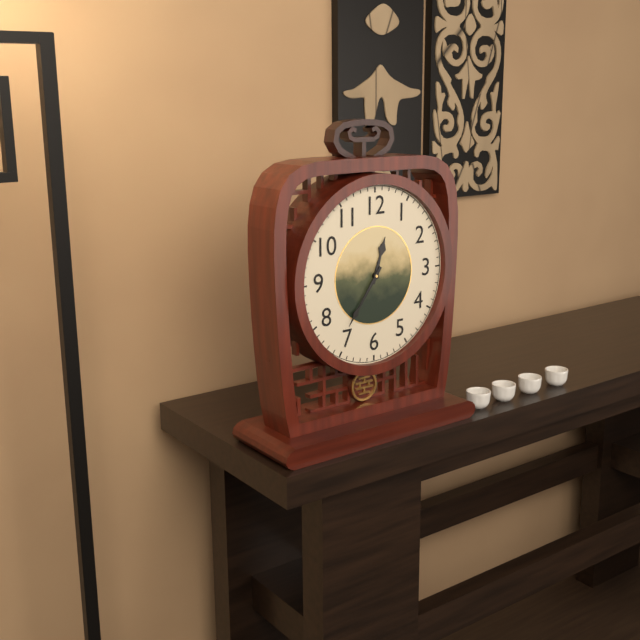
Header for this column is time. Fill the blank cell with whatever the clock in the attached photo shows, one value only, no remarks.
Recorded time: 12:36
